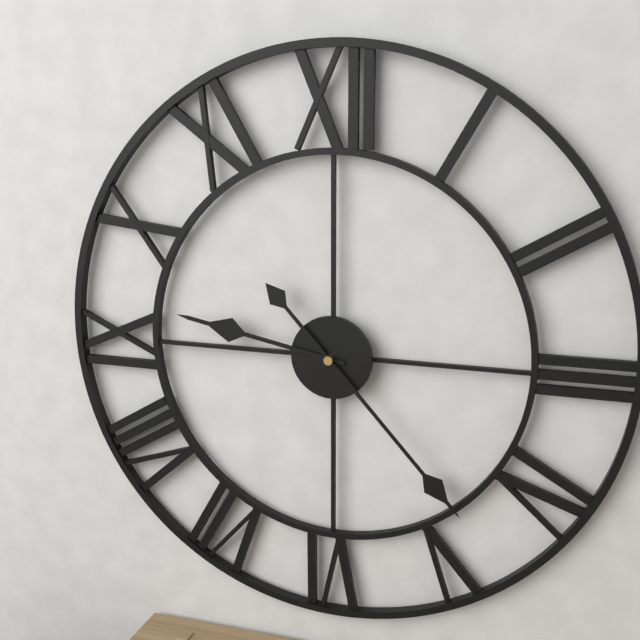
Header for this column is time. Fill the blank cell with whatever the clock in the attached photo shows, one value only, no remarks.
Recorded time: 9:23
